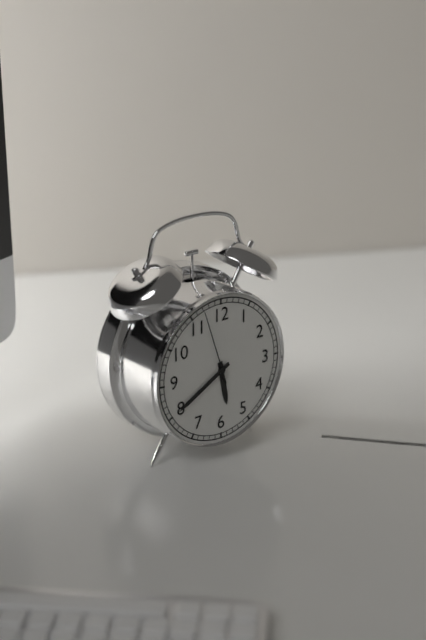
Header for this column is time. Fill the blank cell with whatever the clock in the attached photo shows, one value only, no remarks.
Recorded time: 5:40:57
